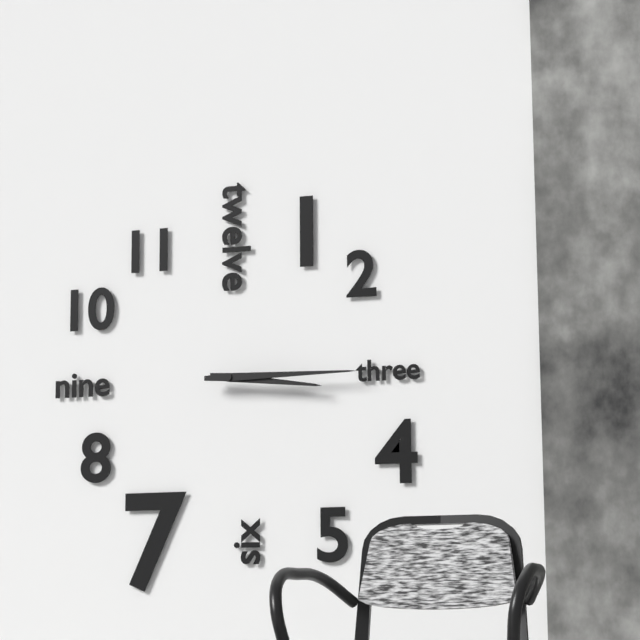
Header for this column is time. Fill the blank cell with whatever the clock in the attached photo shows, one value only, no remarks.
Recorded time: 3:15
